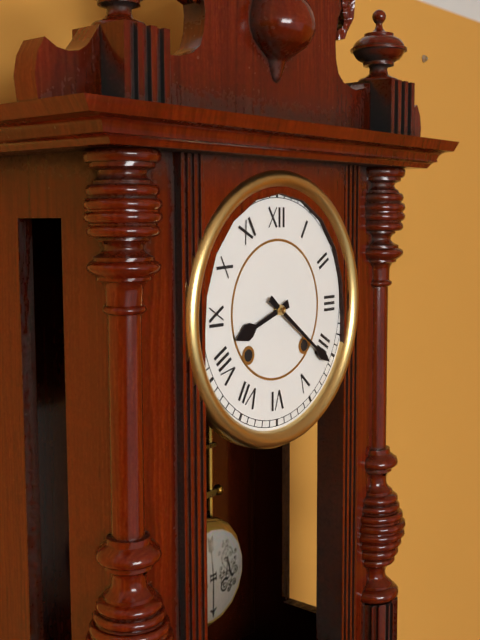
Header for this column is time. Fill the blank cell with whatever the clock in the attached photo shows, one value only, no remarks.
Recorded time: 8:21
